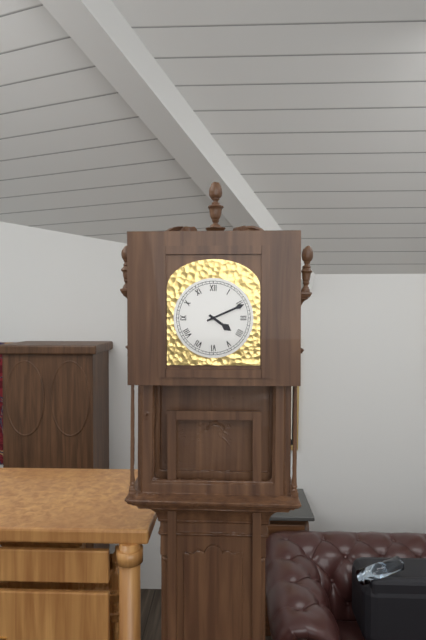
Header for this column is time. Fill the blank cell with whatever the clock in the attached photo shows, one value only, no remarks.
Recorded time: 4:11
